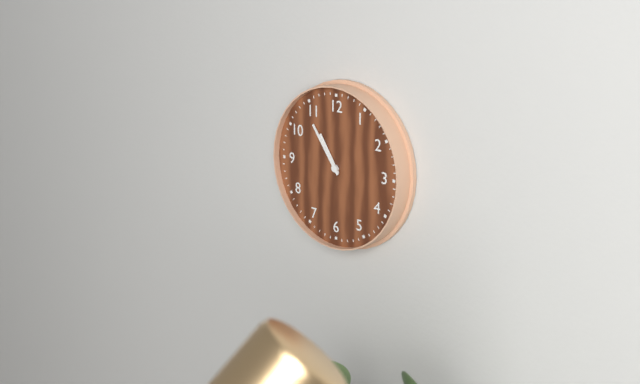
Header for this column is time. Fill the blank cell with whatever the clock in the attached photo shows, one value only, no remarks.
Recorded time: 10:54
